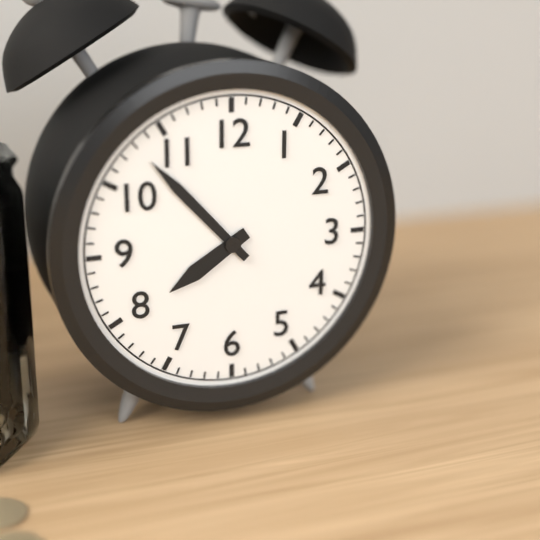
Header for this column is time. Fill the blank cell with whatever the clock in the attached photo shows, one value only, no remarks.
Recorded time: 7:53
